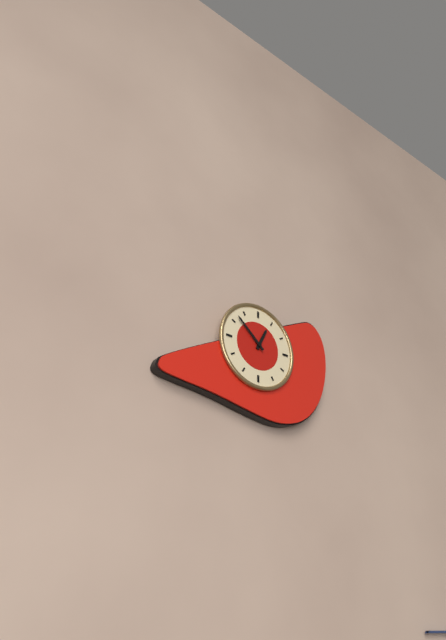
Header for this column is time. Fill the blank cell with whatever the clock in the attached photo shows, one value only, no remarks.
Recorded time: 12:52
